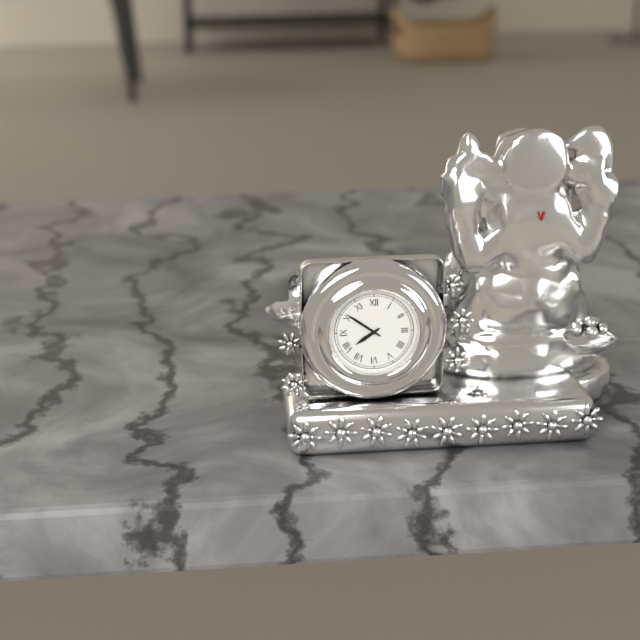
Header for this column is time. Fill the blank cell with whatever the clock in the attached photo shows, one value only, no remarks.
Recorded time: 7:51
